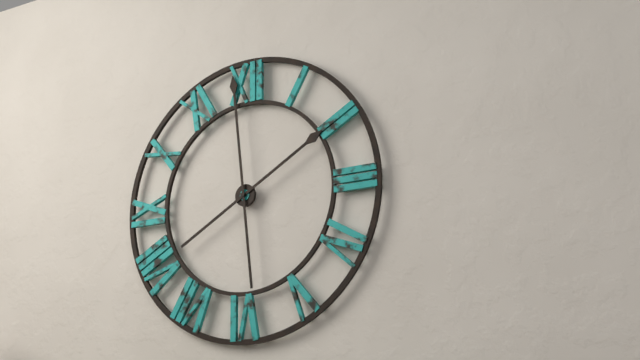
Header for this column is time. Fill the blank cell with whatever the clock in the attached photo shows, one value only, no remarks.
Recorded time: 1:59
